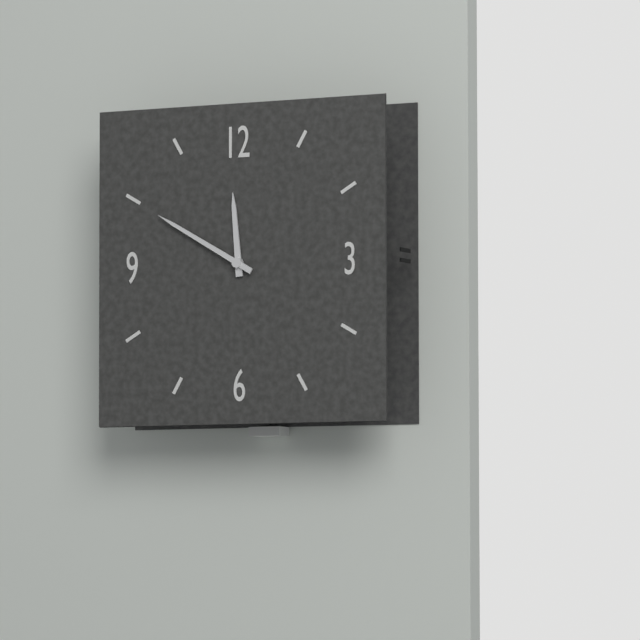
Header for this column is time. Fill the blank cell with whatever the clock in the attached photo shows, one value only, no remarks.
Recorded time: 11:50
